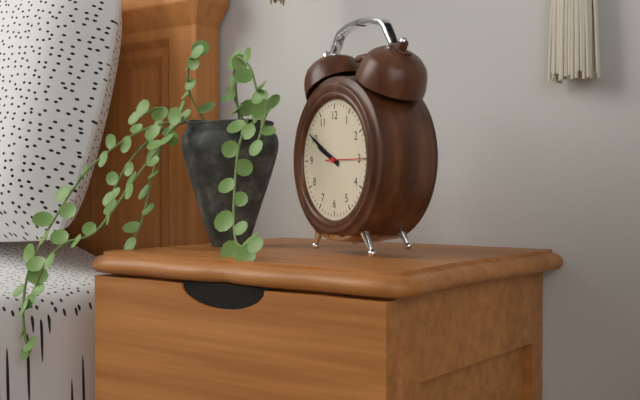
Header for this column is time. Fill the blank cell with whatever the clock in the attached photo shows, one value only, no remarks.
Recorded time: 9:50
